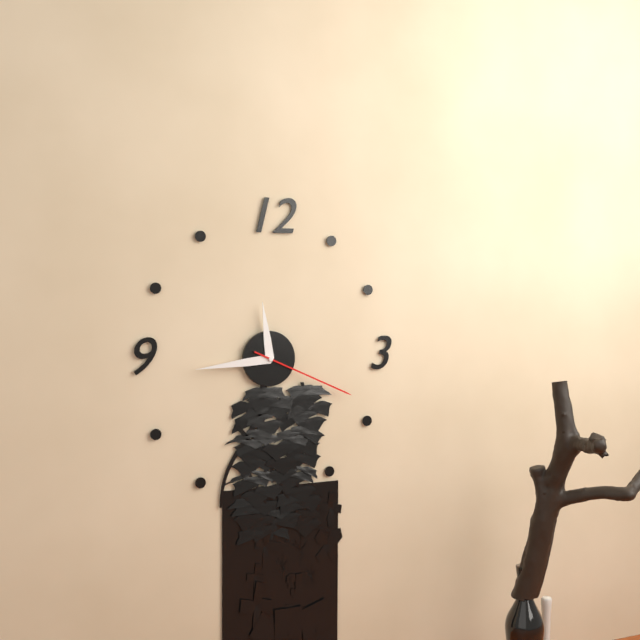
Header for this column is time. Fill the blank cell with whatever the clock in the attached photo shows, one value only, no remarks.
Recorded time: 11:44:19
